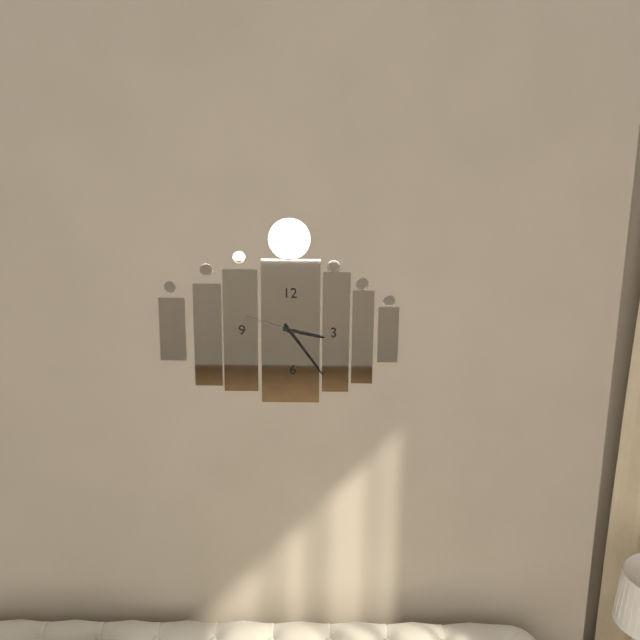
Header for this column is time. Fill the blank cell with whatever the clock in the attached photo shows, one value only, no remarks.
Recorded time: 3:24:48
